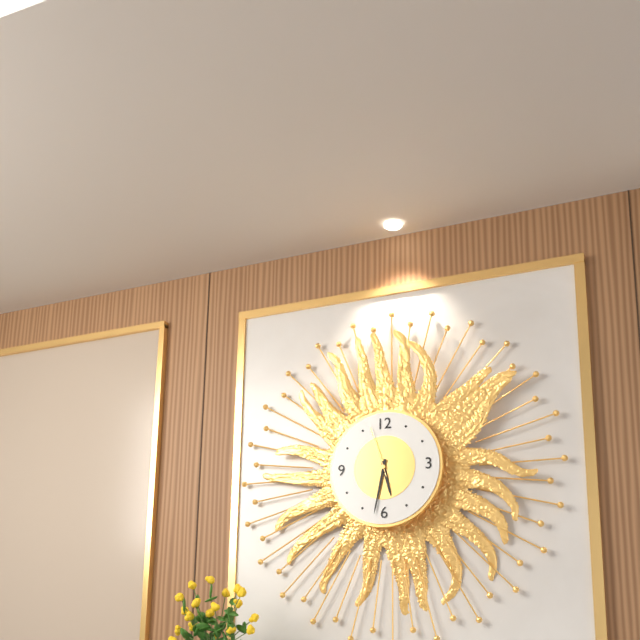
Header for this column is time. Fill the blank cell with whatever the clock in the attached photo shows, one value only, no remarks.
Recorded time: 5:32:57
